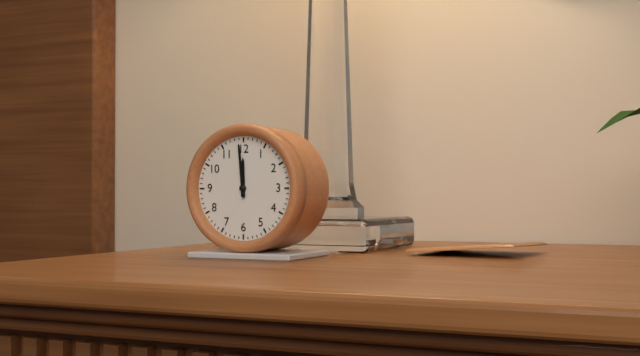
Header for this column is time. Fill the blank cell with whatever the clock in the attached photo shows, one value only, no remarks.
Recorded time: 11:59
